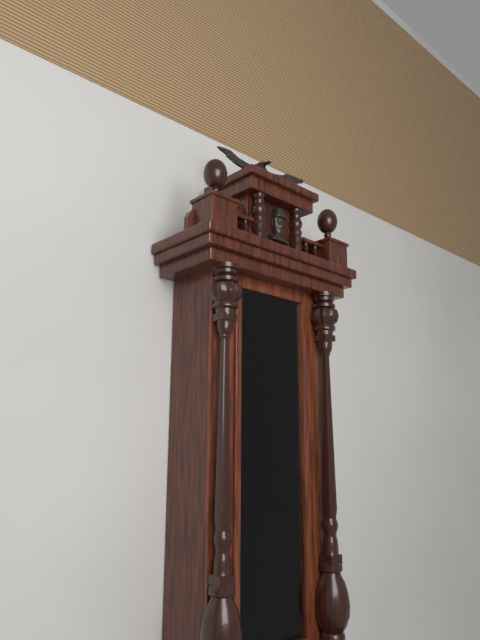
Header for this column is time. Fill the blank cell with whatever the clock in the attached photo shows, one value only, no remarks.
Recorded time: 10:06
